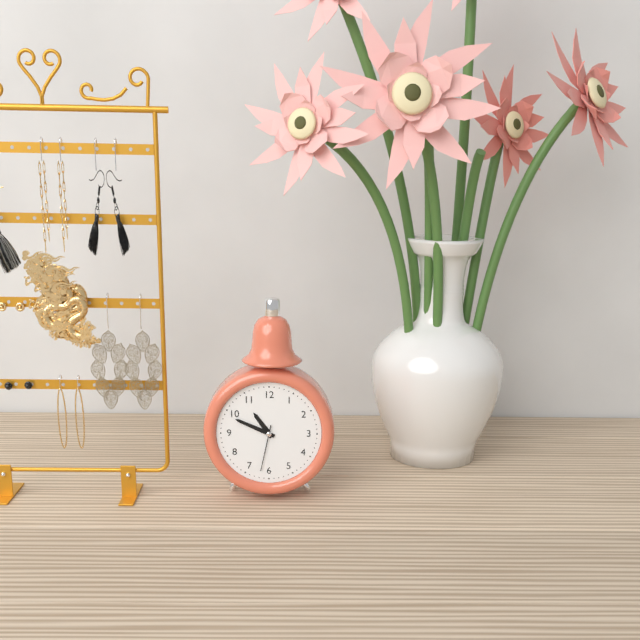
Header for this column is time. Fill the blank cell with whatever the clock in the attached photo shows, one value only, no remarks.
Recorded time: 10:49
